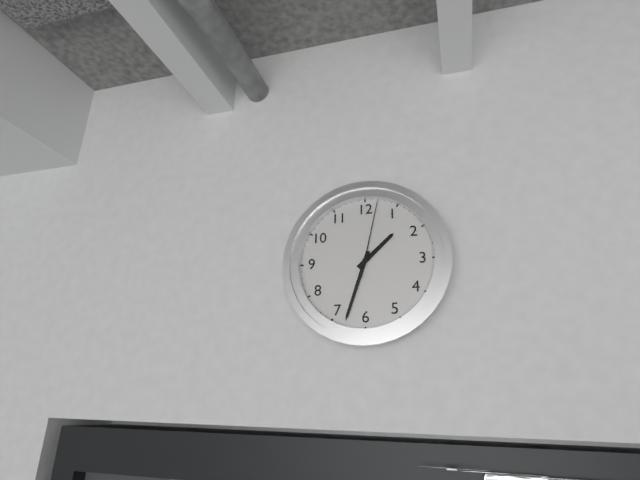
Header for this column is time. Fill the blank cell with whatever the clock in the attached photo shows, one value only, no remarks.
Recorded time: 1:33:02
